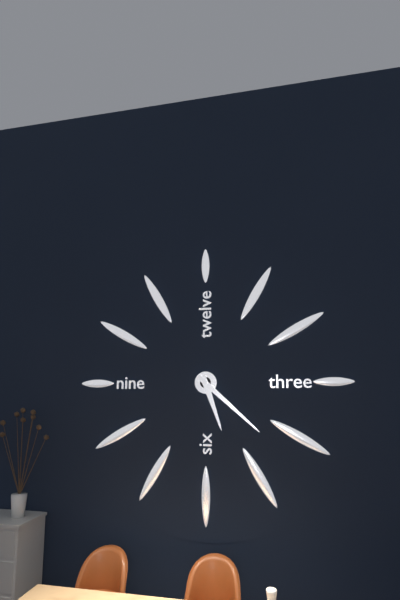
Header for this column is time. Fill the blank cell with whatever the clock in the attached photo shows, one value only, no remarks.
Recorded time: 5:22
